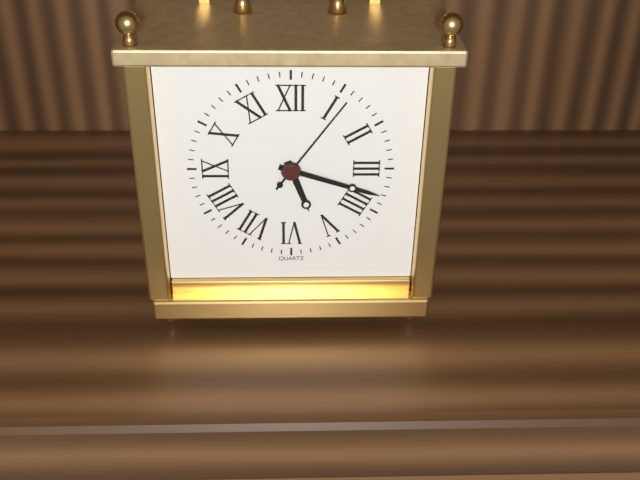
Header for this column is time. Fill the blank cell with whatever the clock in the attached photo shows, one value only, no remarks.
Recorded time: 5:18:06
